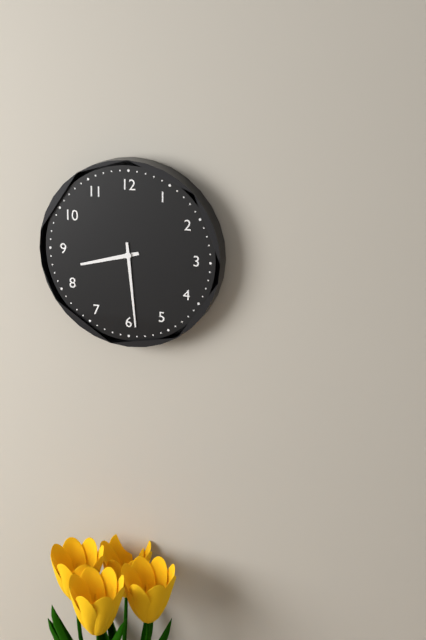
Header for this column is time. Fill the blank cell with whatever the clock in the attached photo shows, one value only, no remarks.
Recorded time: 8:29
